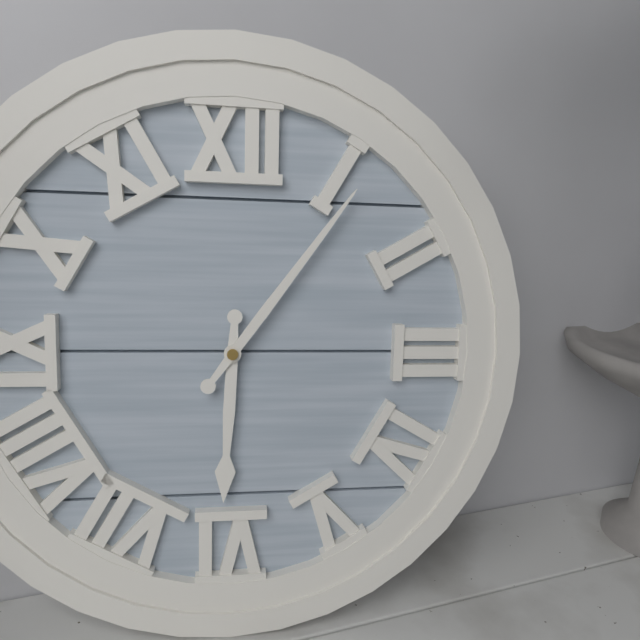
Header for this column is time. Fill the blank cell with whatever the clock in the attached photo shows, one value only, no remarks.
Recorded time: 6:06
